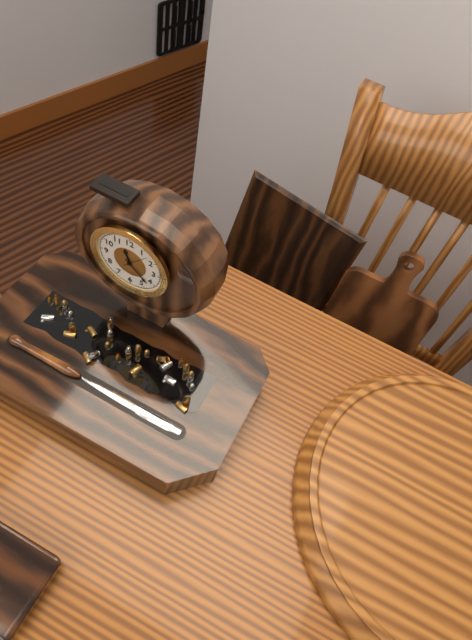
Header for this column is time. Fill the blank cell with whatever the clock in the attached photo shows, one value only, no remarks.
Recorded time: 11:22
